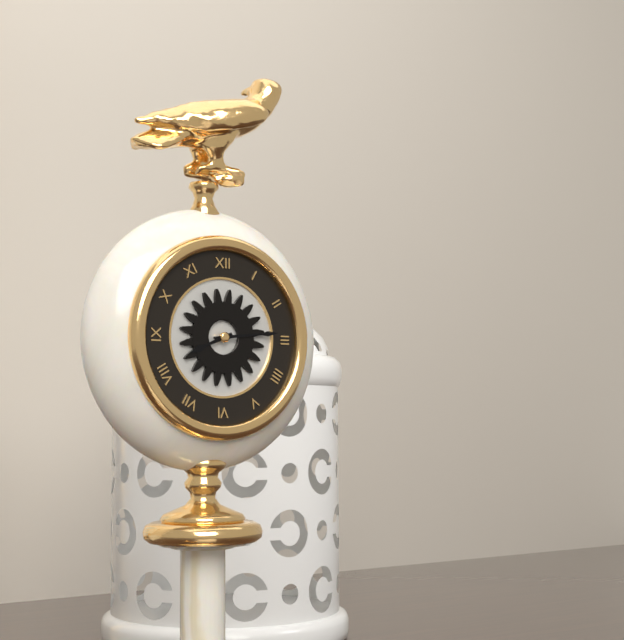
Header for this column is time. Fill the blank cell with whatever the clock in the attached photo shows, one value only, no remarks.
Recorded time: 8:14
